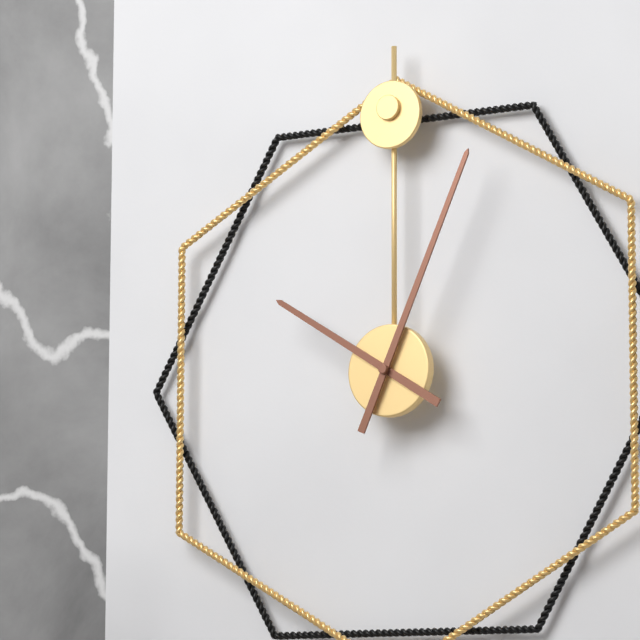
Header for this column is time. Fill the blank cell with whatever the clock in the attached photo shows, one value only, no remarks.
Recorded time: 10:04
